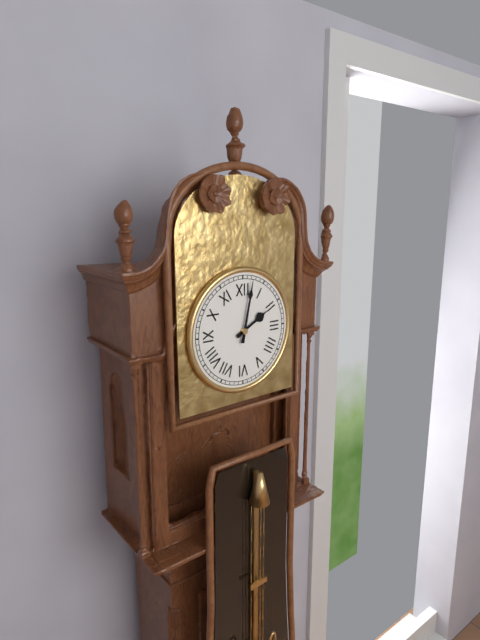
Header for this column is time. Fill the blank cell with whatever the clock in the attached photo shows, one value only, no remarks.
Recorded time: 2:02
